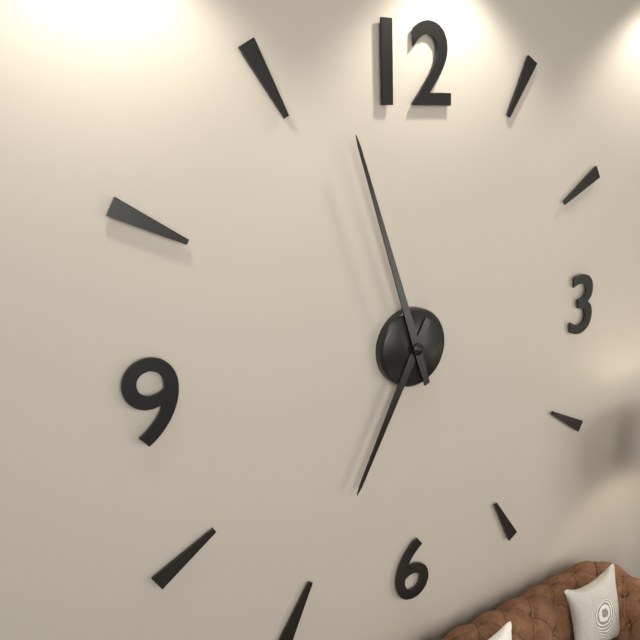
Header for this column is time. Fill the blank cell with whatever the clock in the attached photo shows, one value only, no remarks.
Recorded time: 6:57
